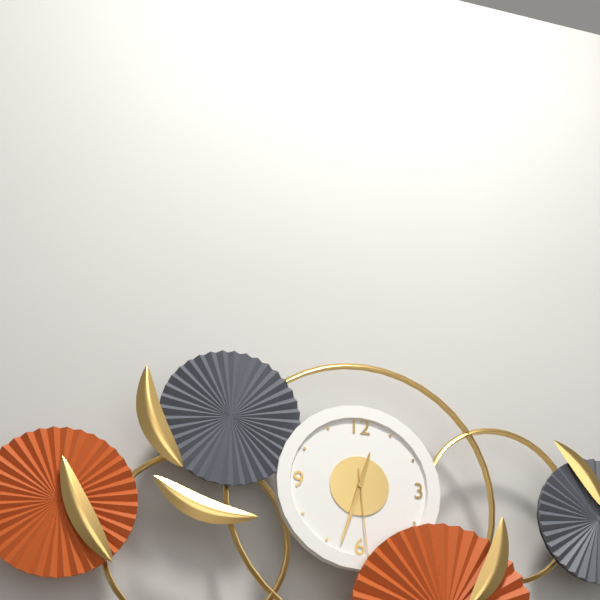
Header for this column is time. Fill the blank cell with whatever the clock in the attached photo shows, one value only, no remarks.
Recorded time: 12:33:29
